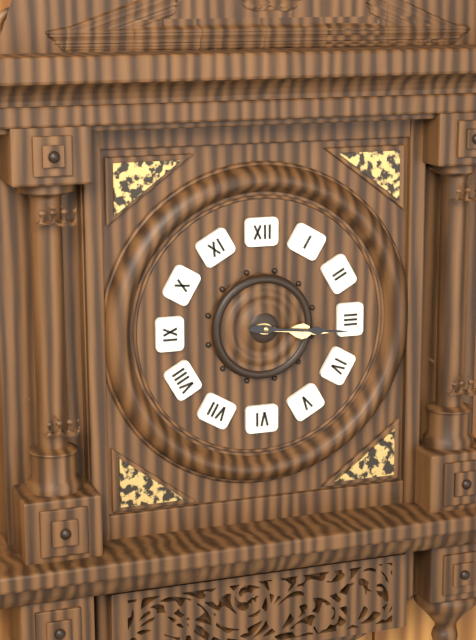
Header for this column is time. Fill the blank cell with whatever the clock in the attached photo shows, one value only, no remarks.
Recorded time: 3:16
